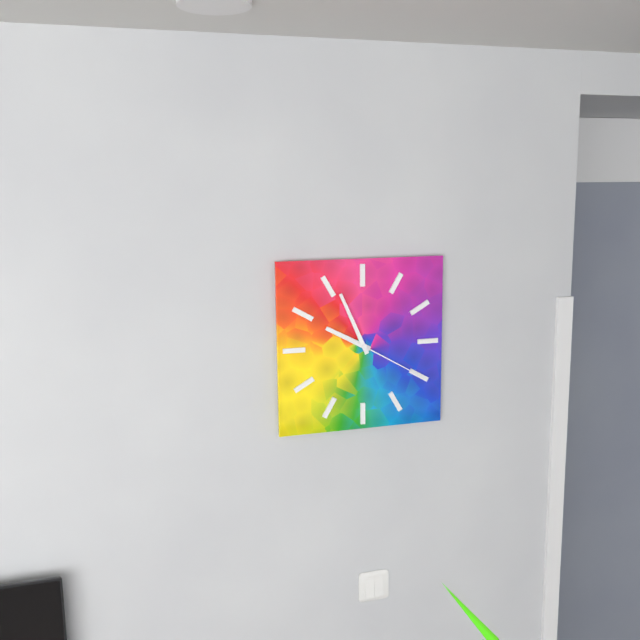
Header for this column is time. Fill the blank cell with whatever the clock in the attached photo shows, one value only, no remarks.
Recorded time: 9:56:20
